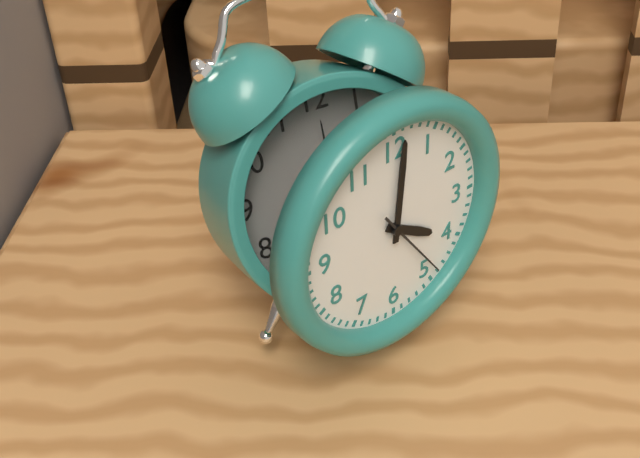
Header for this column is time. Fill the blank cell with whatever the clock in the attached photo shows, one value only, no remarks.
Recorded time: 4:01:24
